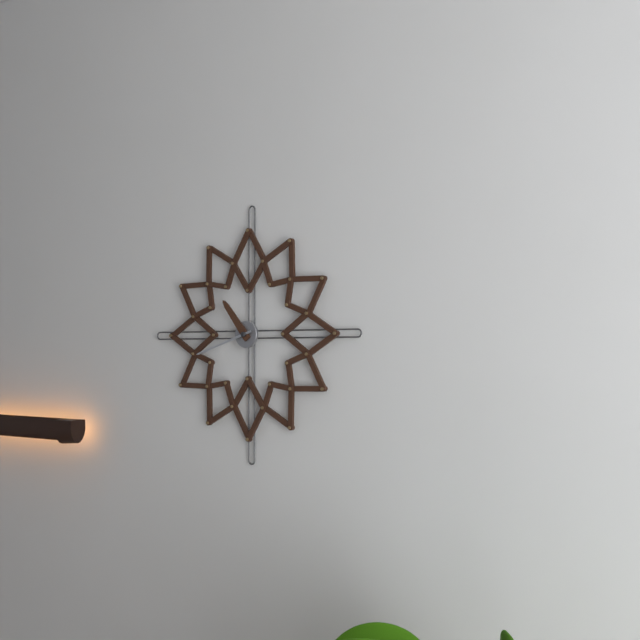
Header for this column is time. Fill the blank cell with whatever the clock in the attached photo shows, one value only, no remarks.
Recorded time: 10:42
